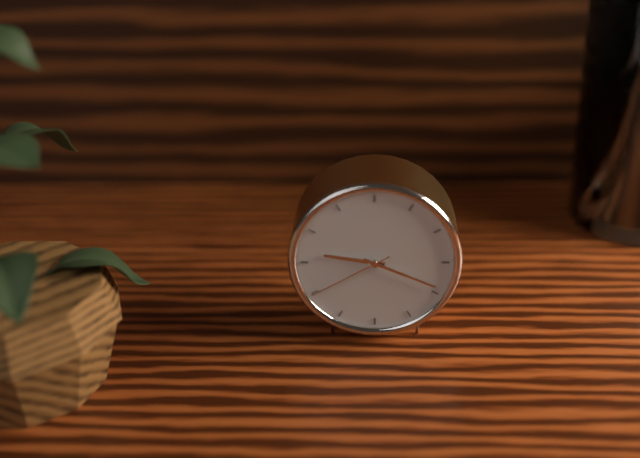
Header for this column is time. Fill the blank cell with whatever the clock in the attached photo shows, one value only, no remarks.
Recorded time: 9:19:40
